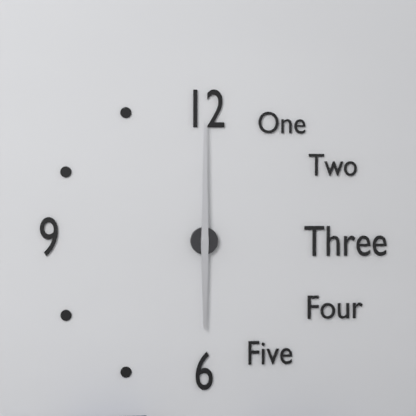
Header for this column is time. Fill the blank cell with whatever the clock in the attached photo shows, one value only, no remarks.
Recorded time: 6:00
